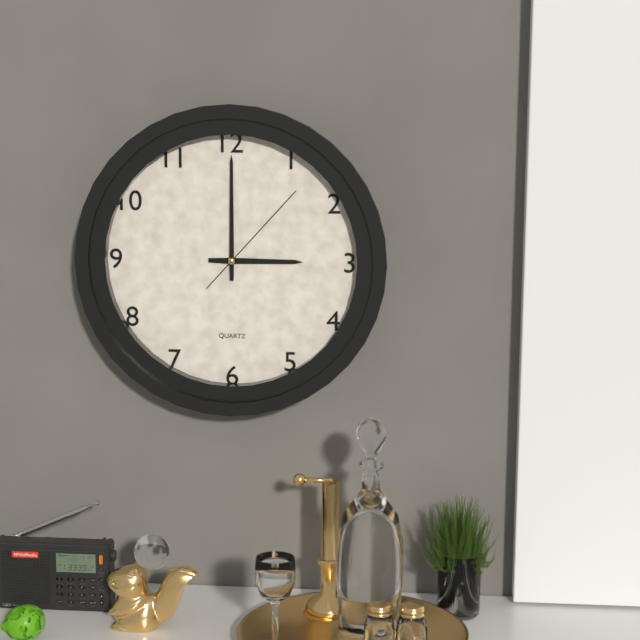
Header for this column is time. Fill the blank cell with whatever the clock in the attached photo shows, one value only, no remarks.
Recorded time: 3:00:07
